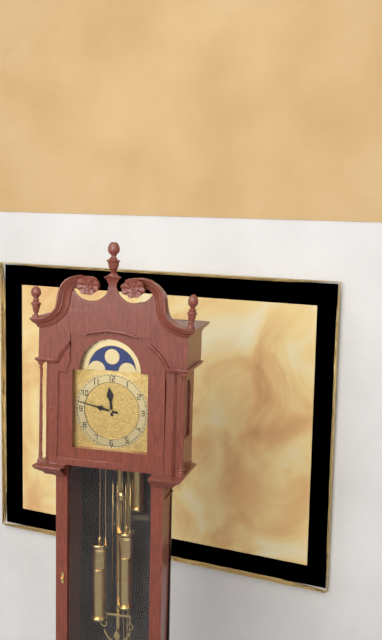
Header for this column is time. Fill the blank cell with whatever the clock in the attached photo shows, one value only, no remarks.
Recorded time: 11:47
